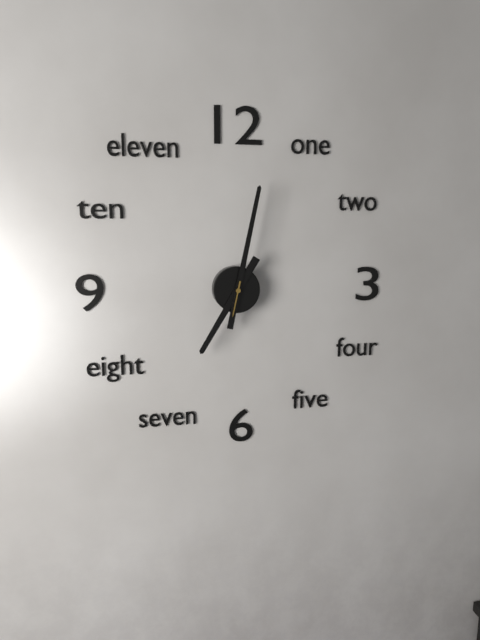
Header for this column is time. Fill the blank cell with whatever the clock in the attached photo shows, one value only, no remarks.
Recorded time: 7:02
